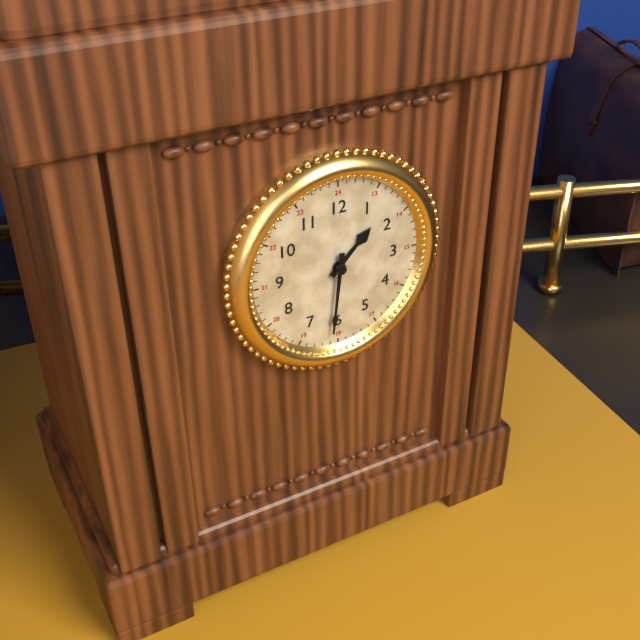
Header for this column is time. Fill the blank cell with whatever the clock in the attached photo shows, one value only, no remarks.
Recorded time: 1:31
